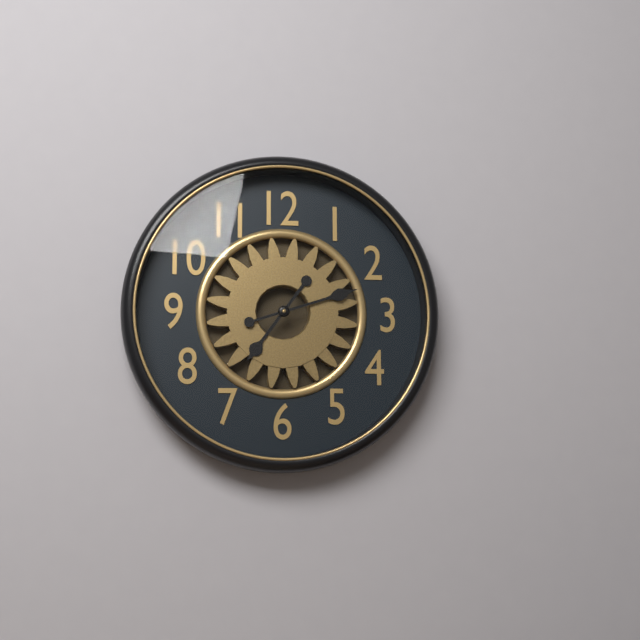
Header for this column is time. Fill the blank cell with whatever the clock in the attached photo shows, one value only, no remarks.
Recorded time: 7:12
